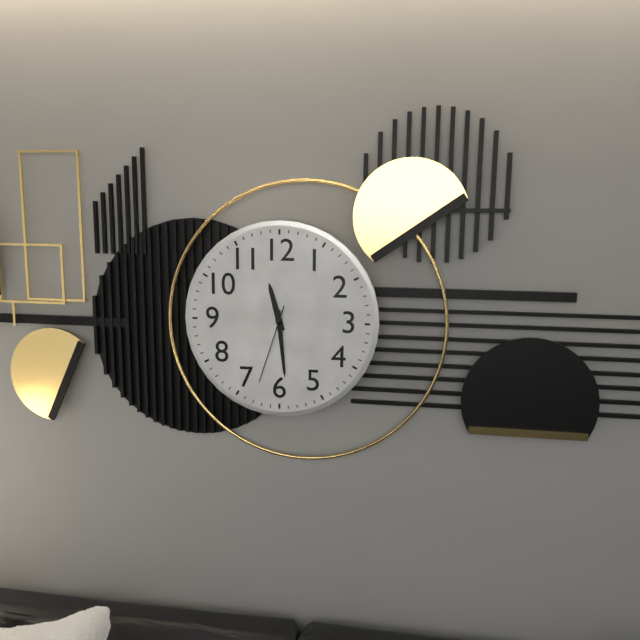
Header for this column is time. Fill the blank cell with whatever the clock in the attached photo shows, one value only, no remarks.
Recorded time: 11:29:33
